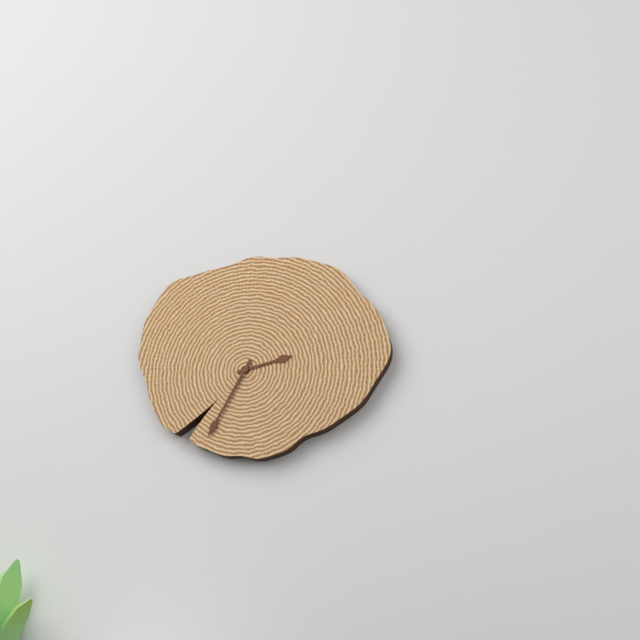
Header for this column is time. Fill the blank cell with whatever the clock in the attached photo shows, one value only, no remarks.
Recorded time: 2:35
